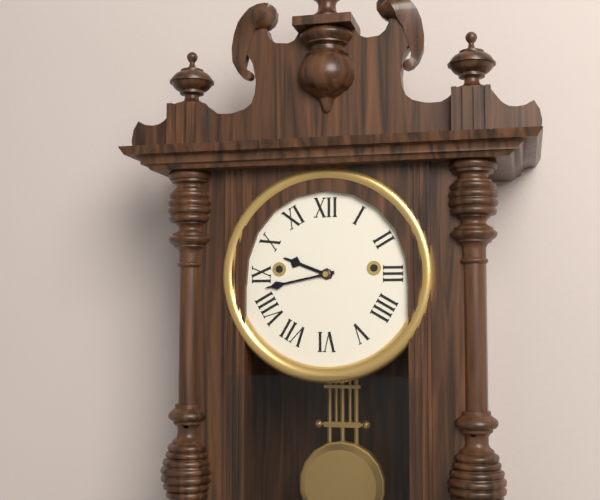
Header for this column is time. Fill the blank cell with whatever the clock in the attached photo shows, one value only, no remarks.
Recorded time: 9:43
